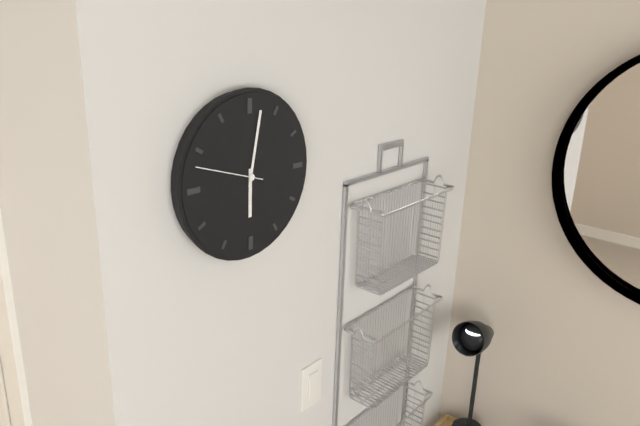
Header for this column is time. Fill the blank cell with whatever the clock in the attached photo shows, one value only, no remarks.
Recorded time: 6:02:48
